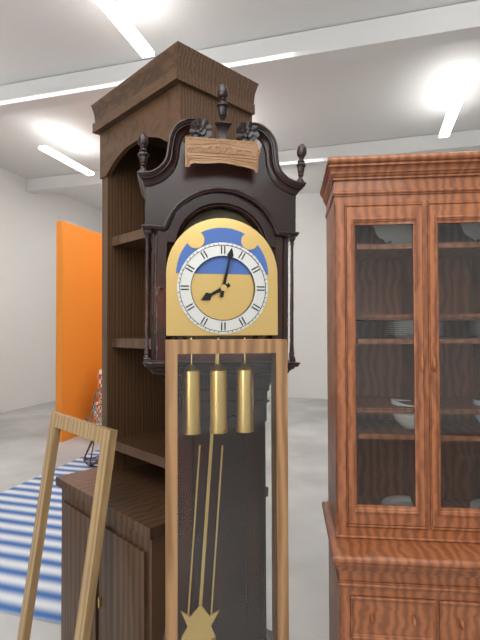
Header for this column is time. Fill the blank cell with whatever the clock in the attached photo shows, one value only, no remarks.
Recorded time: 8:02
